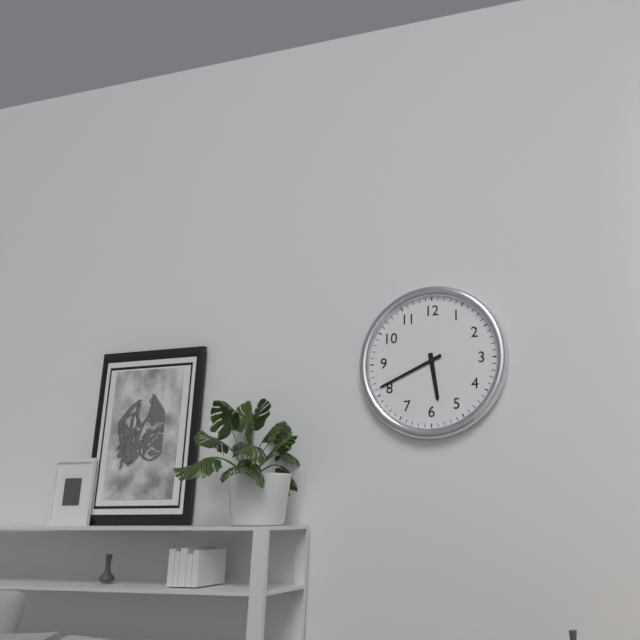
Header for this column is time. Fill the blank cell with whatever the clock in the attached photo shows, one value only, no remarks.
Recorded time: 5:41
